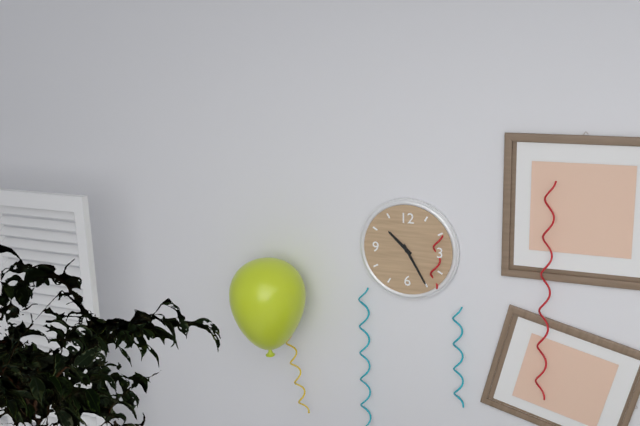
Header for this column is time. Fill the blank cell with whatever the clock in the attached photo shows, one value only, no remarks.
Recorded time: 10:25
